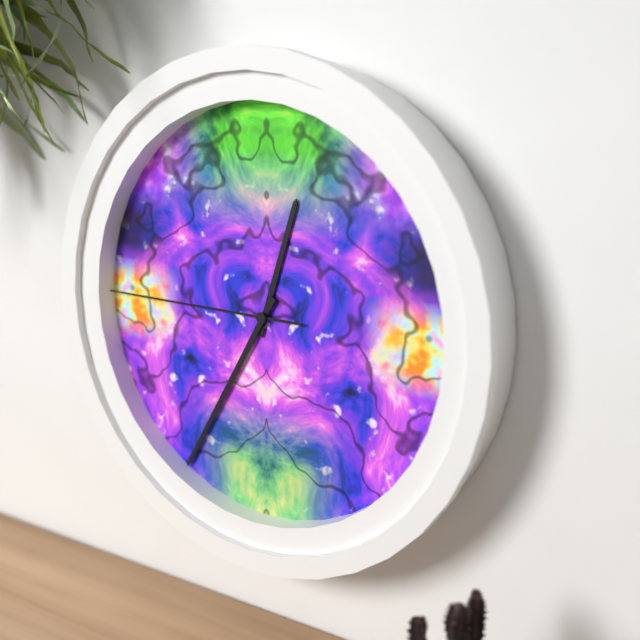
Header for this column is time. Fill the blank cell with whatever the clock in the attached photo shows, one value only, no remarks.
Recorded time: 12:35:45
